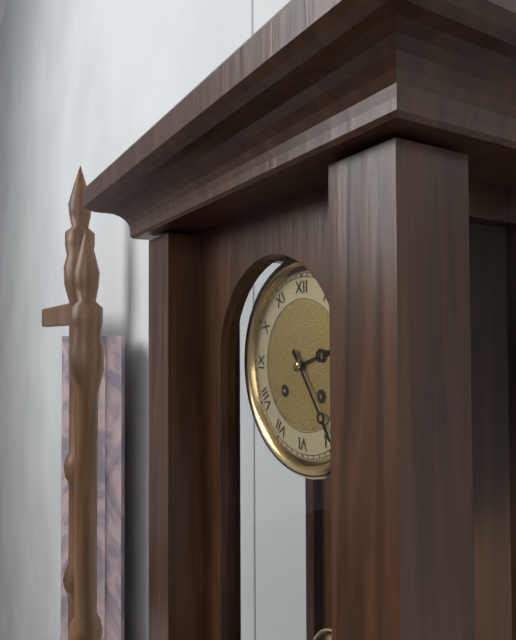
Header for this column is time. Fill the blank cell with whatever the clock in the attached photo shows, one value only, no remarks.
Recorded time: 2:24
